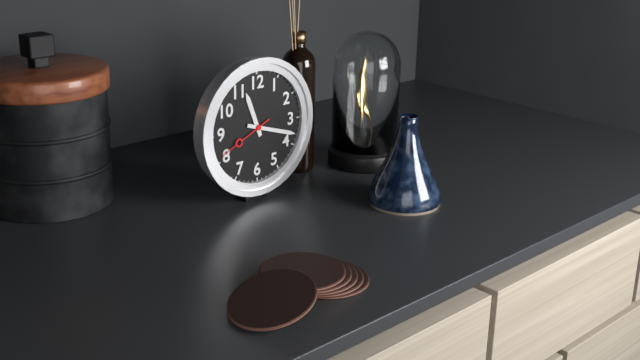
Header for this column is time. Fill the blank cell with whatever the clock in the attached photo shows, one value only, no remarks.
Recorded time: 11:18:41
